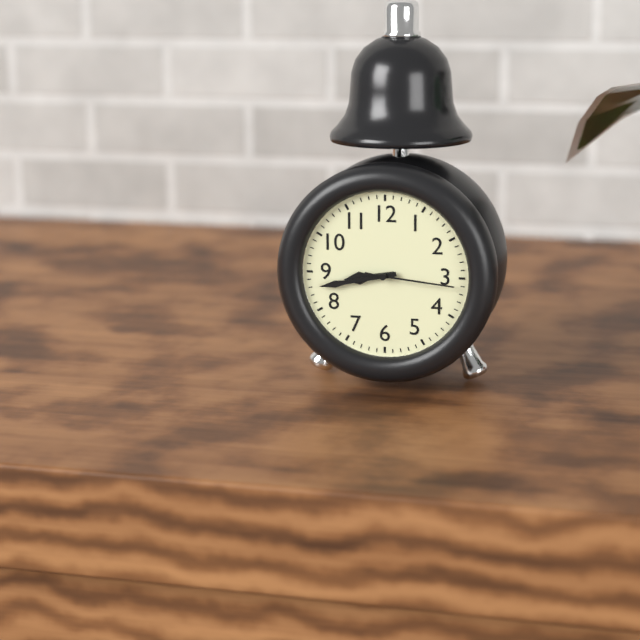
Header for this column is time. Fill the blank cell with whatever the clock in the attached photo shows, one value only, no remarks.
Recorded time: 8:43:16
